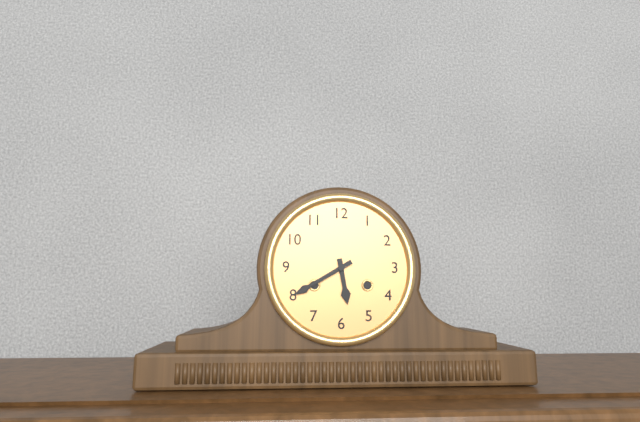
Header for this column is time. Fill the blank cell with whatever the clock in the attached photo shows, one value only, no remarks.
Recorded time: 5:40
